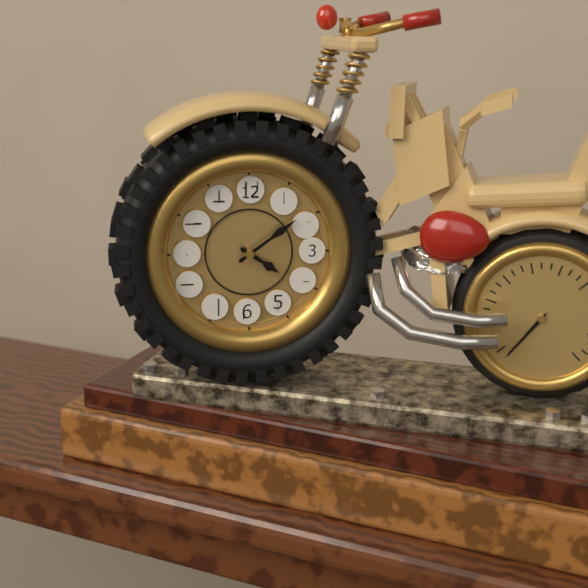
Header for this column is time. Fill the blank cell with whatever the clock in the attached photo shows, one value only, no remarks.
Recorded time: 4:09
